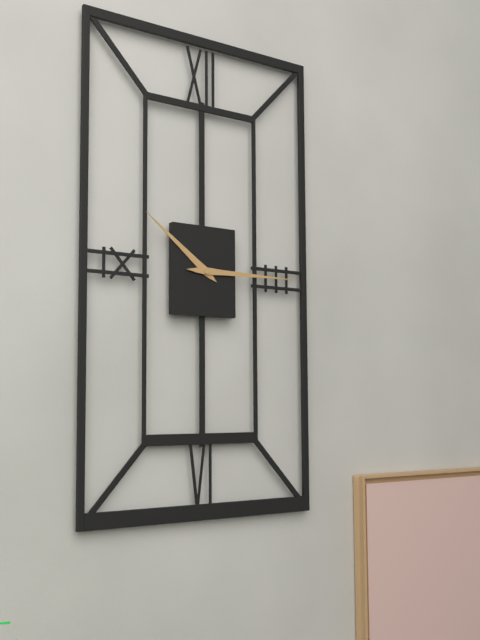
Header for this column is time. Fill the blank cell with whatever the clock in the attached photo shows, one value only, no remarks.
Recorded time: 10:15
